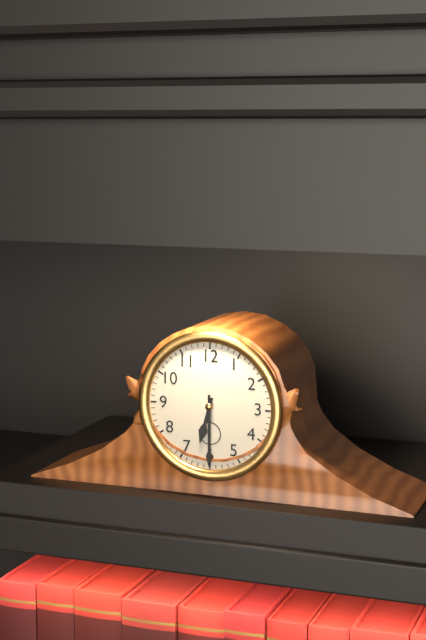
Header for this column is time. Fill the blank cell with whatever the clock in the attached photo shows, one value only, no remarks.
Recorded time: 6:30
